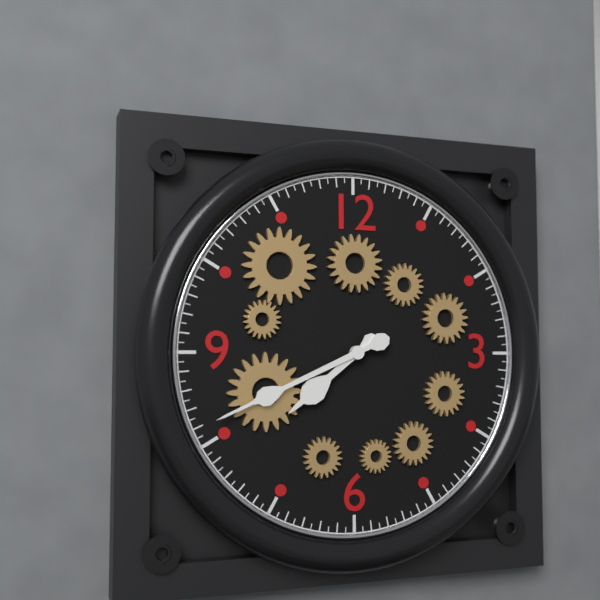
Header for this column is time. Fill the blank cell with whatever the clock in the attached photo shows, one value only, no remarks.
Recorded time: 7:41
